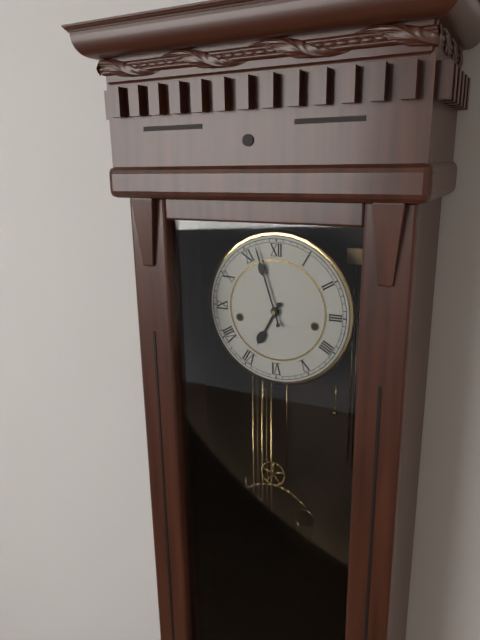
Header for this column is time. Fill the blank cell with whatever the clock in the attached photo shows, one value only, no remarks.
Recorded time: 6:57
